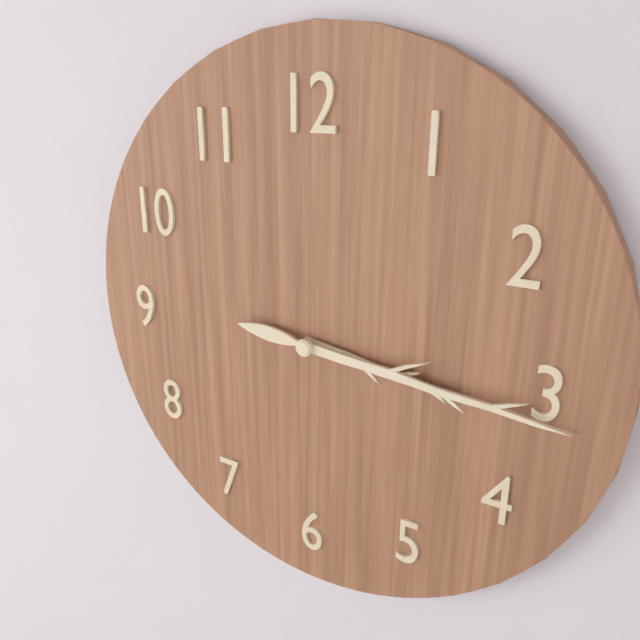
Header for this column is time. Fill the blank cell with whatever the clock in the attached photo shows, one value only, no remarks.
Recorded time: 3:16
